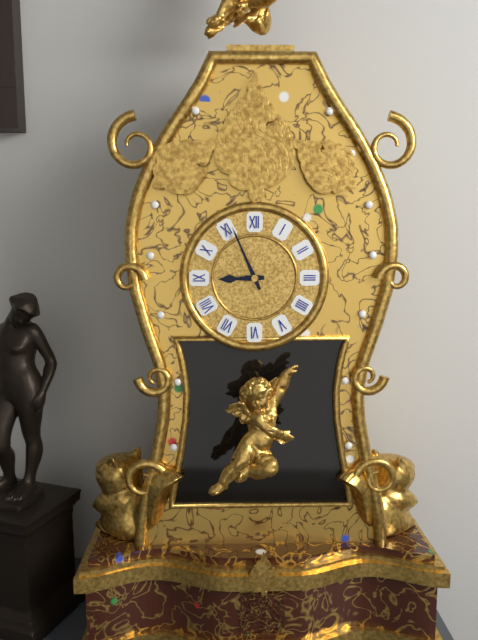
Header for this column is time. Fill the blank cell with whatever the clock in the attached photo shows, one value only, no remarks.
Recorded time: 8:56
